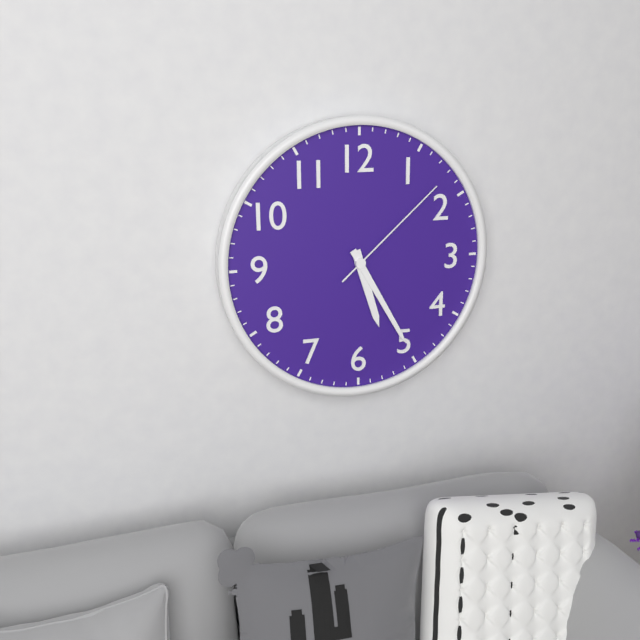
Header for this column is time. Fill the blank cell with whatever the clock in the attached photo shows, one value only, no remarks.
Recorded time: 5:25:08
